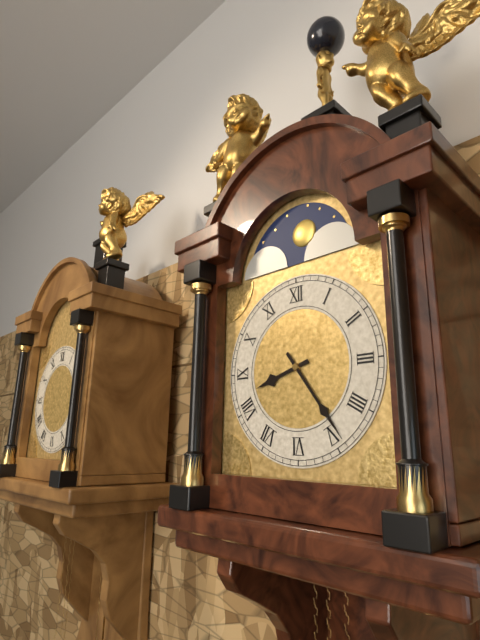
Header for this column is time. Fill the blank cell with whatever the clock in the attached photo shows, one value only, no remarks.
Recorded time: 8:24
